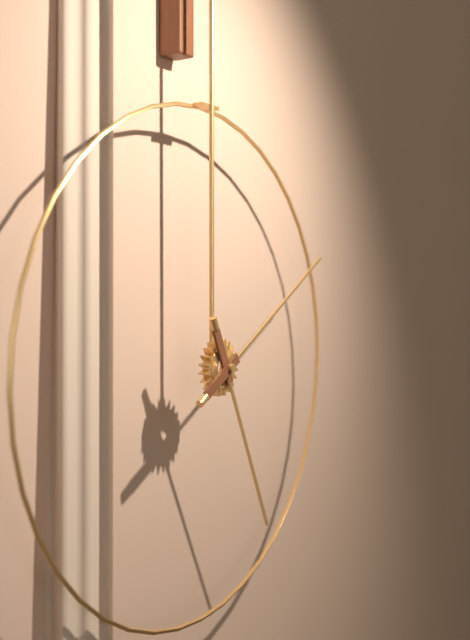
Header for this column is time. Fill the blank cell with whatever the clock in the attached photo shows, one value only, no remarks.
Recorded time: 5:10
